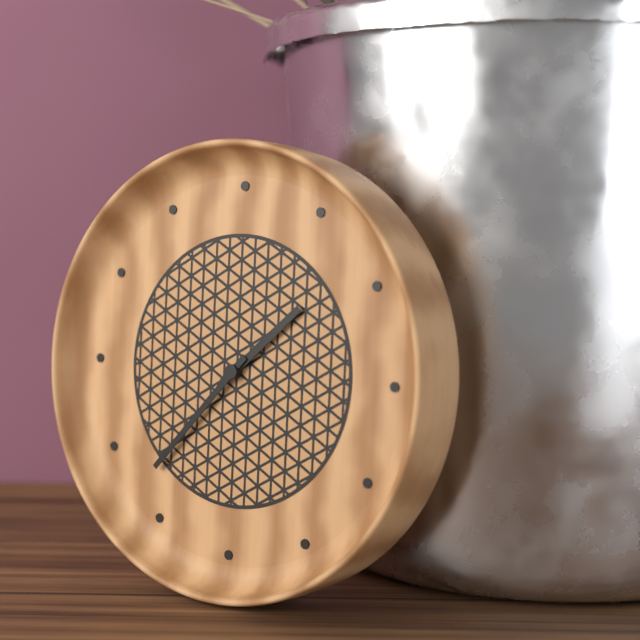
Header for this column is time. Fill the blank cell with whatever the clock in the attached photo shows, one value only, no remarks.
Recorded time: 1:37
